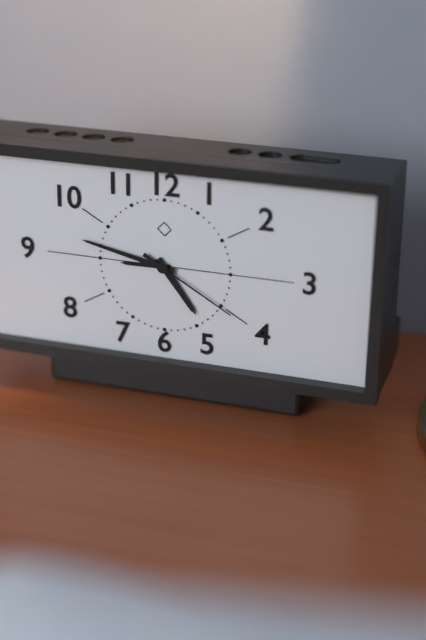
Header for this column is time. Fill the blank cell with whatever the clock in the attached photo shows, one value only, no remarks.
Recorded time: 4:47:20
